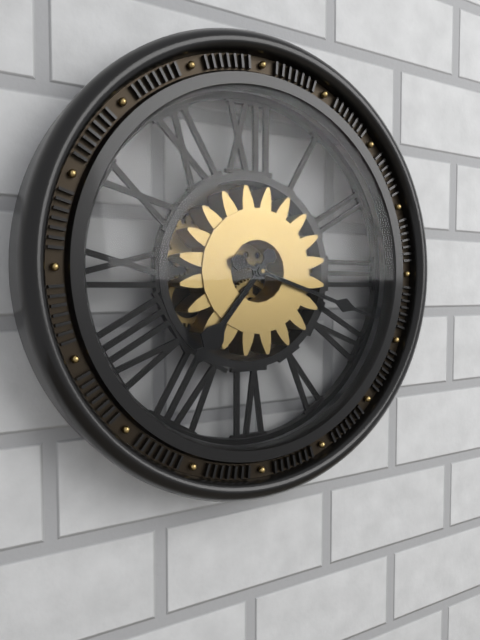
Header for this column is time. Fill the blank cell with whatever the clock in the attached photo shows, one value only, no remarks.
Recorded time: 7:18
